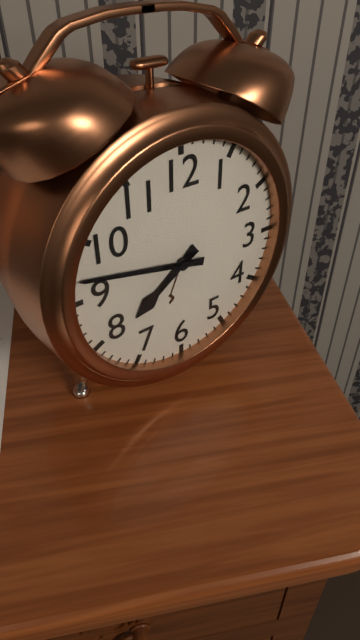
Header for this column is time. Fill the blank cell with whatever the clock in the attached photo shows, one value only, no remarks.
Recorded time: 7:47
